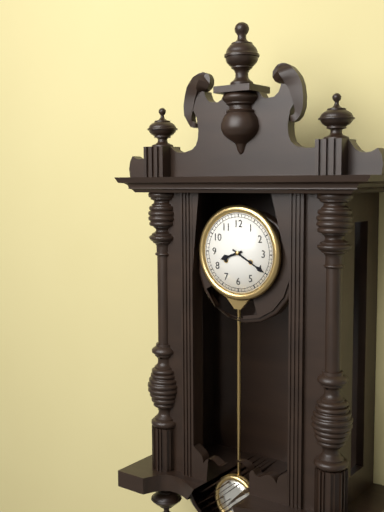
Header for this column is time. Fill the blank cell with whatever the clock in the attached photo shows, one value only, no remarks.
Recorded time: 8:20
